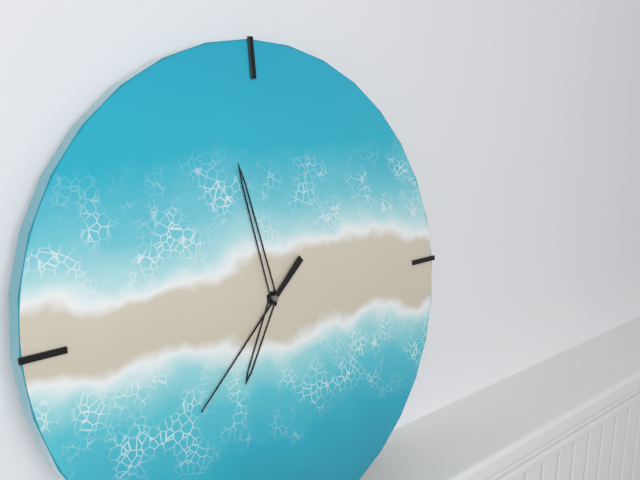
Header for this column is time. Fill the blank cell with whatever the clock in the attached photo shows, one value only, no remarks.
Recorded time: 6:58:38
